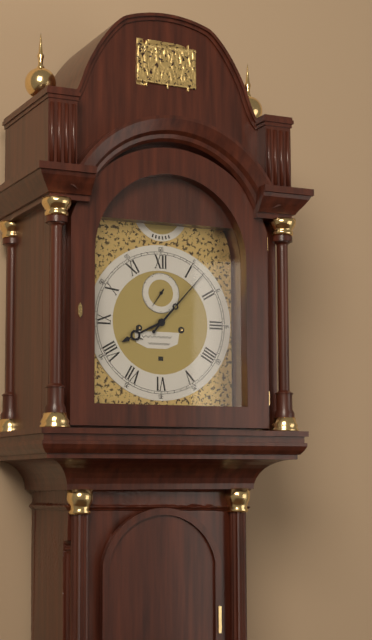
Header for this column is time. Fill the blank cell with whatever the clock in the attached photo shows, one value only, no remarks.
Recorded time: 8:07
